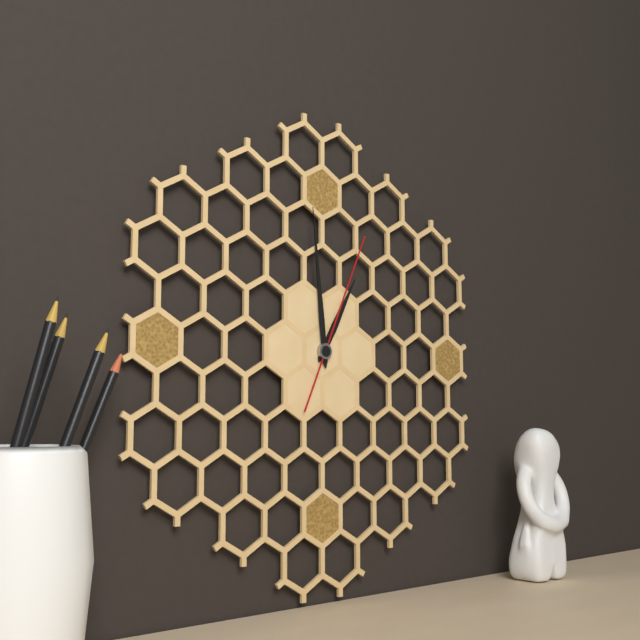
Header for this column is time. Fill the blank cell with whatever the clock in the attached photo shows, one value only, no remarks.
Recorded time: 12:59:04
